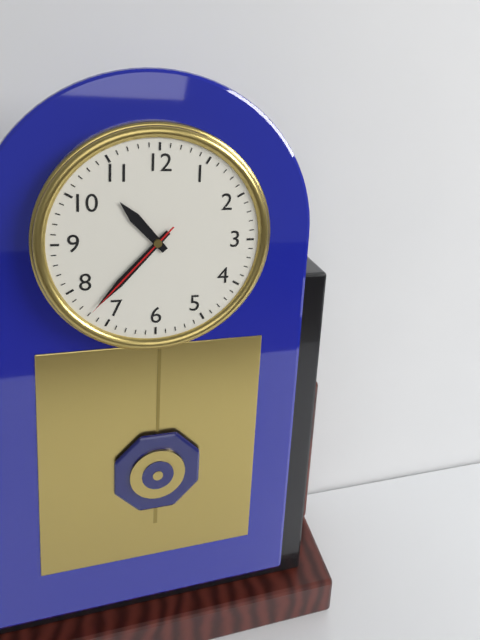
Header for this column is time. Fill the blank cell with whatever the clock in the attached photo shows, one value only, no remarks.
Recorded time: 10:37:37
